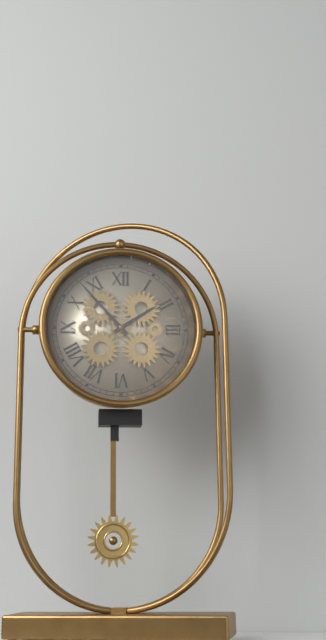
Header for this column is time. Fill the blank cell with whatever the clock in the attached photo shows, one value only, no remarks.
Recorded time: 1:53
